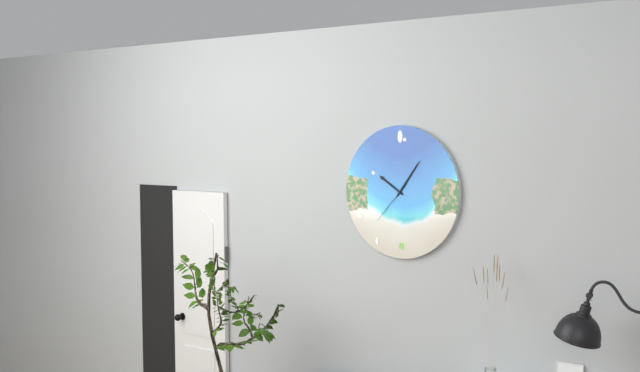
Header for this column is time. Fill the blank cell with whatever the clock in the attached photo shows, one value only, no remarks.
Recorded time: 10:06
